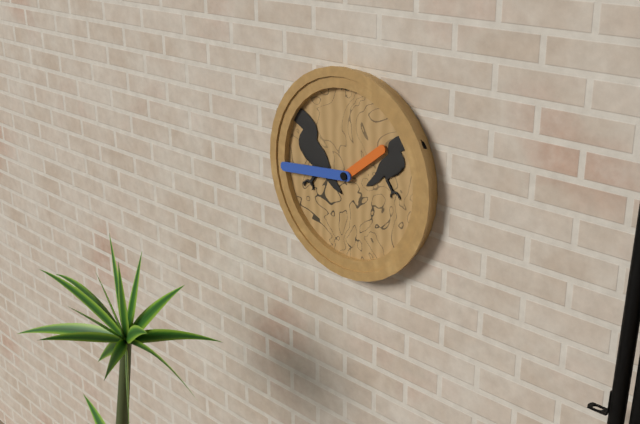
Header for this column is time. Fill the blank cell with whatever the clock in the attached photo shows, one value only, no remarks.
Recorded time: 1:44
